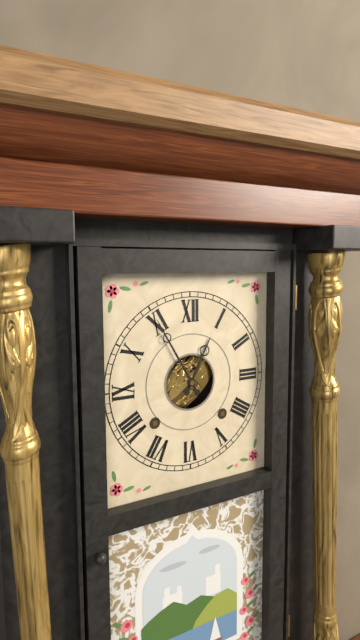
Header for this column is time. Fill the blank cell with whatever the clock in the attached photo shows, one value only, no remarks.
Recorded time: 12:55
